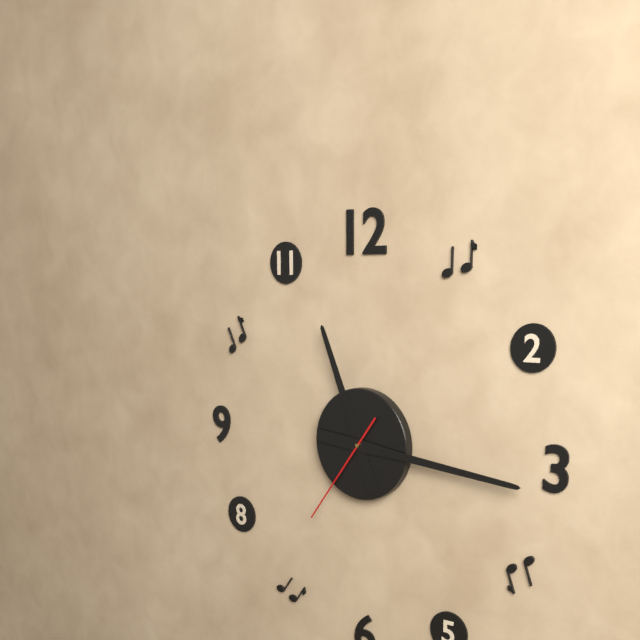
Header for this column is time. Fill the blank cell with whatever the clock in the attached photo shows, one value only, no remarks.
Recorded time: 11:16:36
